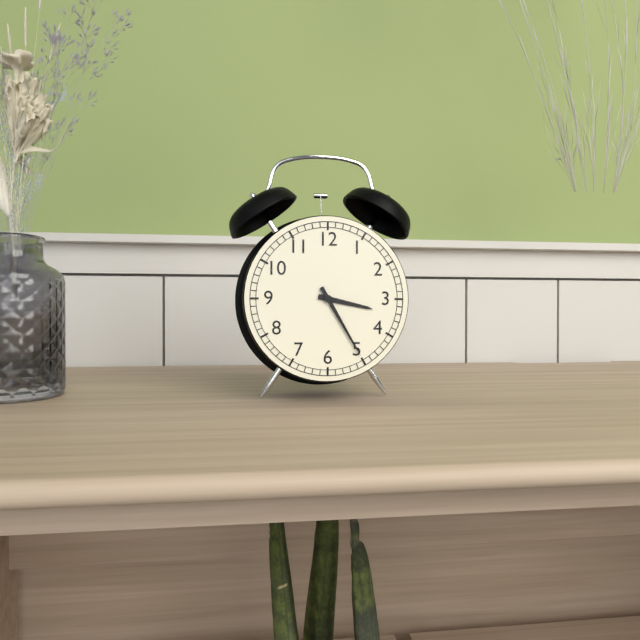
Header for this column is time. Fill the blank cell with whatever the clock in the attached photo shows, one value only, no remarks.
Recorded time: 3:25
